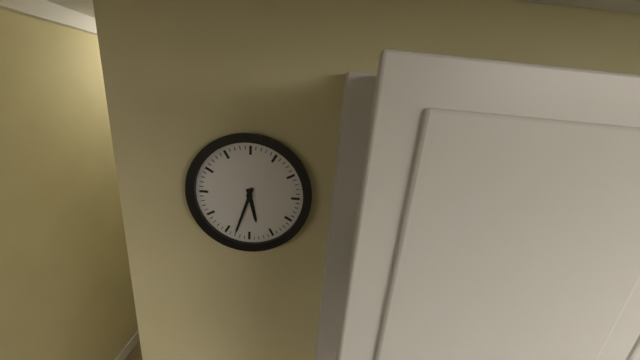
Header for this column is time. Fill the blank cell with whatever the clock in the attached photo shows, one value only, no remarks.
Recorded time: 5:33
